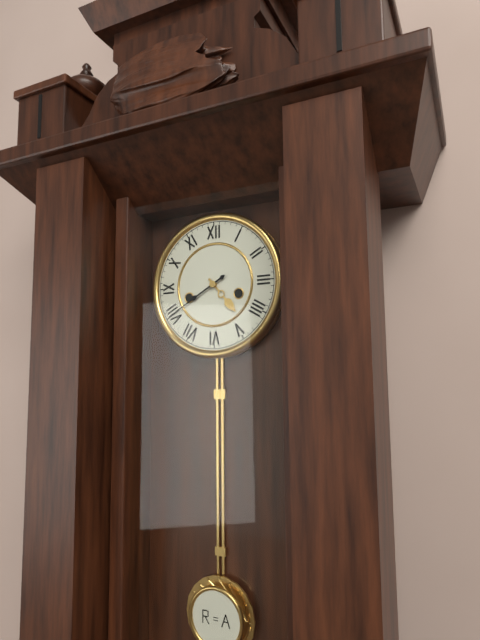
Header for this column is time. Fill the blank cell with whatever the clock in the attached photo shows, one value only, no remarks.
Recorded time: 4:40
